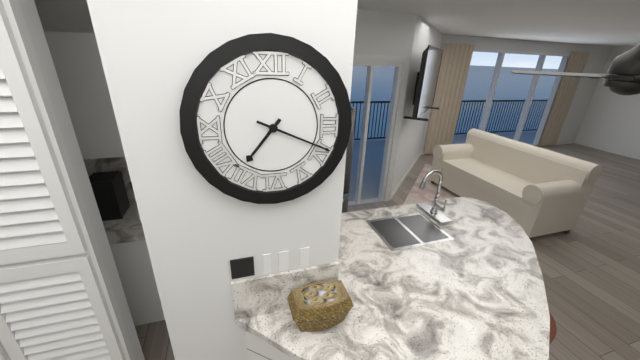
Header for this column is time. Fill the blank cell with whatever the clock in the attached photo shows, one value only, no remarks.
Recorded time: 7:19
